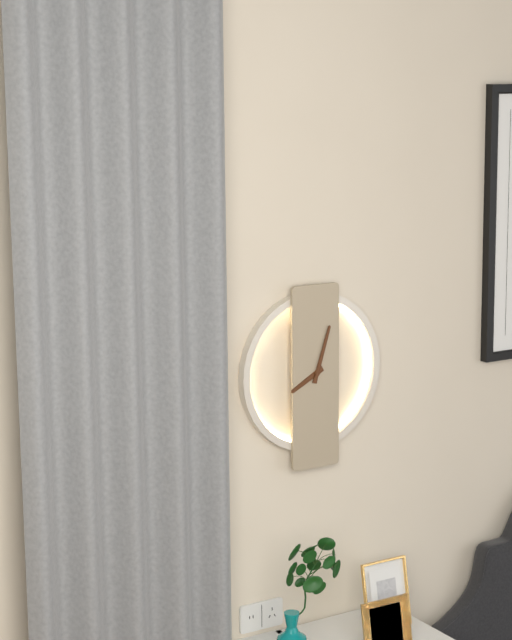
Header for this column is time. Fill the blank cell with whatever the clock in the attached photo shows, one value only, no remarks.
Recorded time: 8:03
